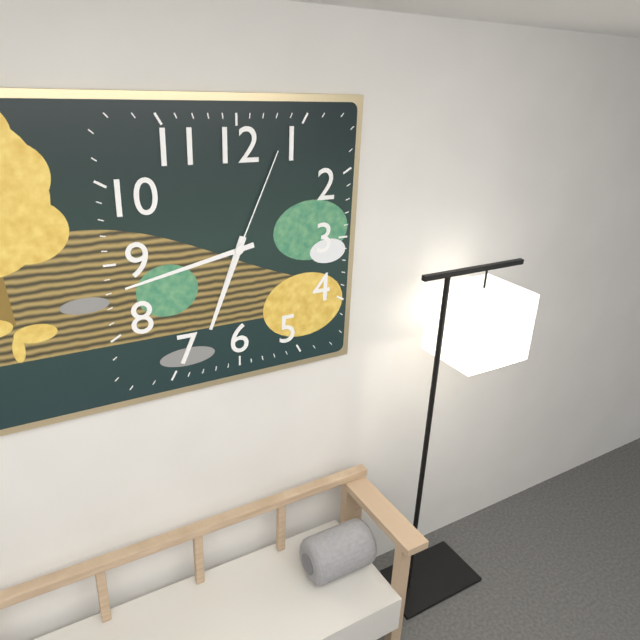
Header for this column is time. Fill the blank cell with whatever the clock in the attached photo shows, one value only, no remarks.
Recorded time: 6:43:04
